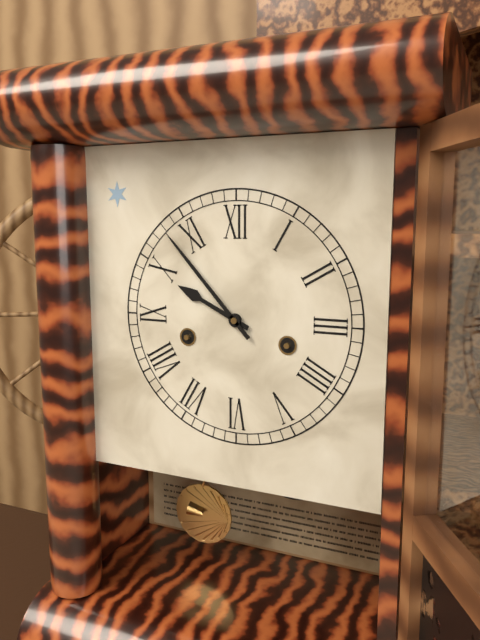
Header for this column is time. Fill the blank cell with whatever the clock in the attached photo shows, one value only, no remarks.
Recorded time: 9:53
